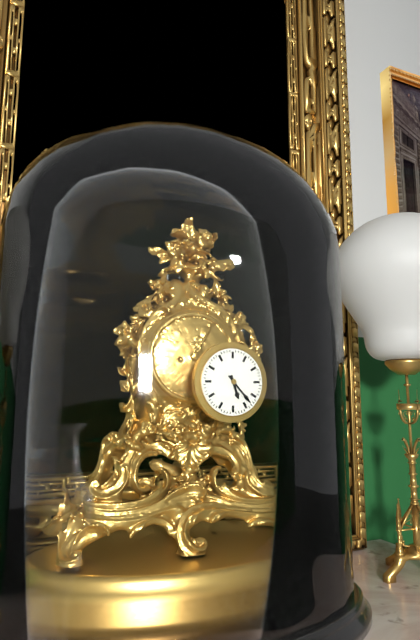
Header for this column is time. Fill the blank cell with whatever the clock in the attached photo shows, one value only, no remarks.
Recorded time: 5:23
